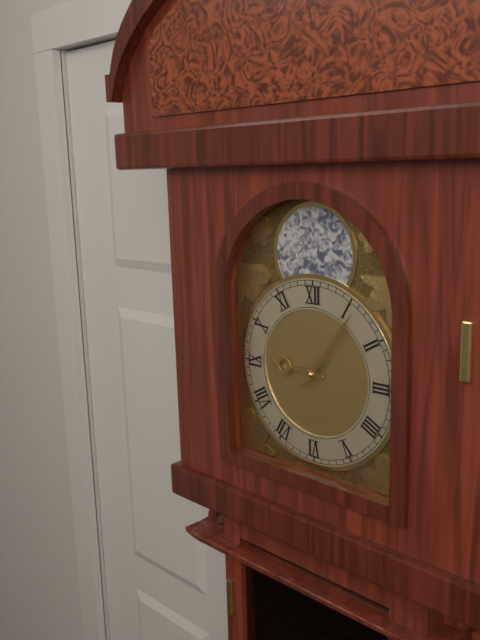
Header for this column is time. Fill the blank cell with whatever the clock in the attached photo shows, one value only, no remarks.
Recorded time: 9:06
